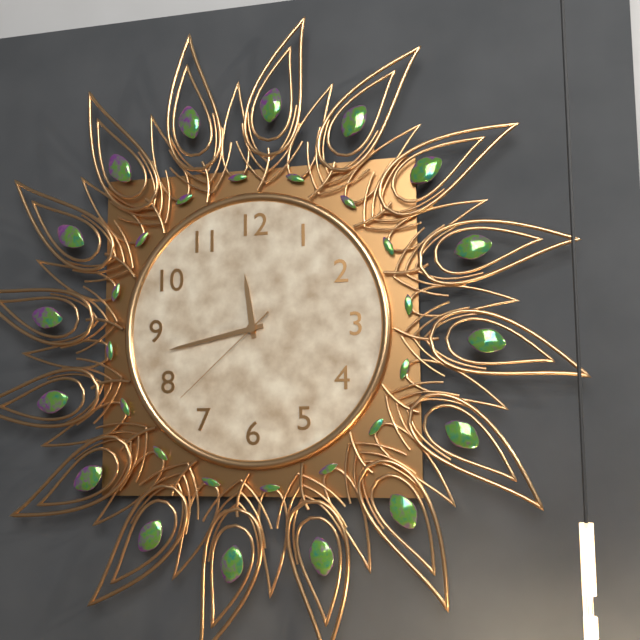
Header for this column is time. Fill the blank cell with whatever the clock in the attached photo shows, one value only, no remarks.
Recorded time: 11:43:38
